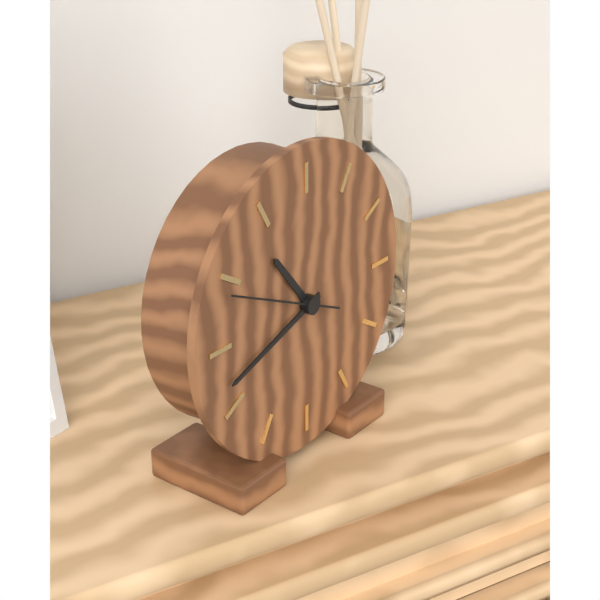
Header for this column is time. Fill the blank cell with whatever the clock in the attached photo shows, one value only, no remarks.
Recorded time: 10:42:49
